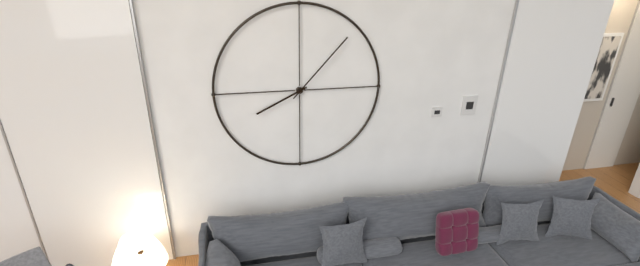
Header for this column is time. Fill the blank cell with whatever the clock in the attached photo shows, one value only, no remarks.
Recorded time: 8:07
